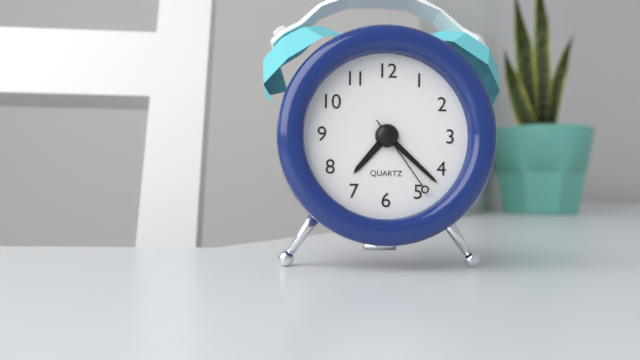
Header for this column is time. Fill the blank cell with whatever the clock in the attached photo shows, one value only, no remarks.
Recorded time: 7:22:24
